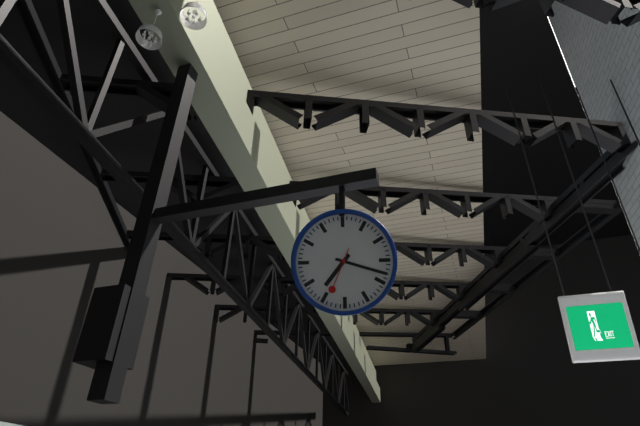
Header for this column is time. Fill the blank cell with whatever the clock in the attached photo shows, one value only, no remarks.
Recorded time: 7:18
